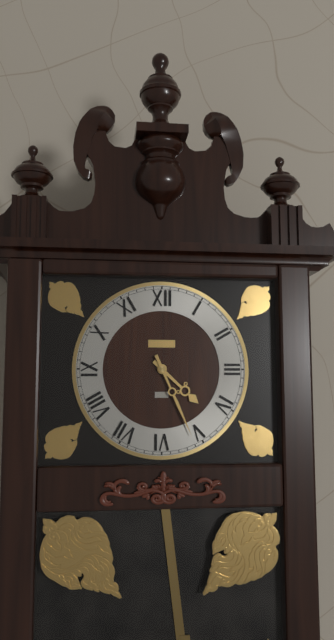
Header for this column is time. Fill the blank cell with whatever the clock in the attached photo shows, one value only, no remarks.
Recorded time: 4:26
